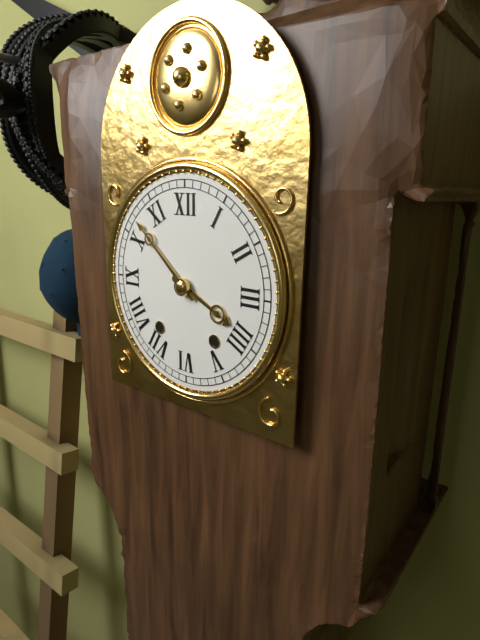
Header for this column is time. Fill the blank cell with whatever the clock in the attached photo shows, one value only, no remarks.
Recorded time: 3:52
